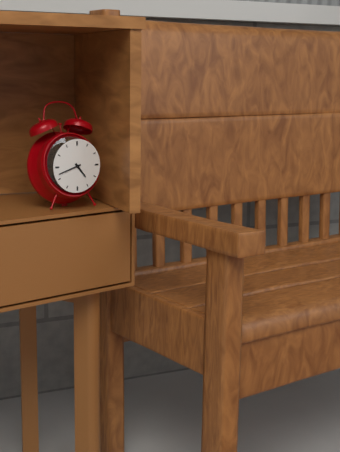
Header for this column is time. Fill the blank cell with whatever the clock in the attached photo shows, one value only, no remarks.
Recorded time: 4:42
